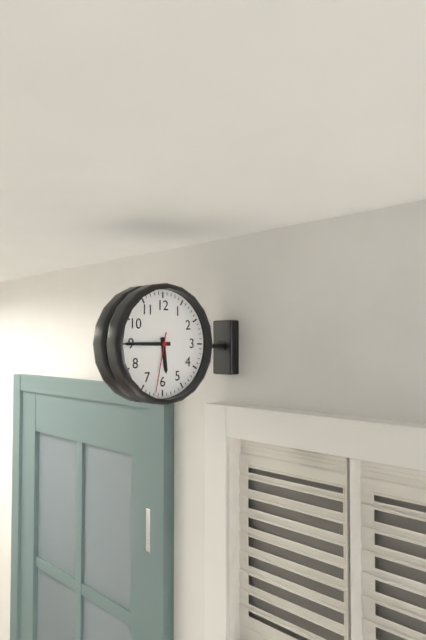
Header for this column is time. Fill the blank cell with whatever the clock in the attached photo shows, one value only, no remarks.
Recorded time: 5:45:32
